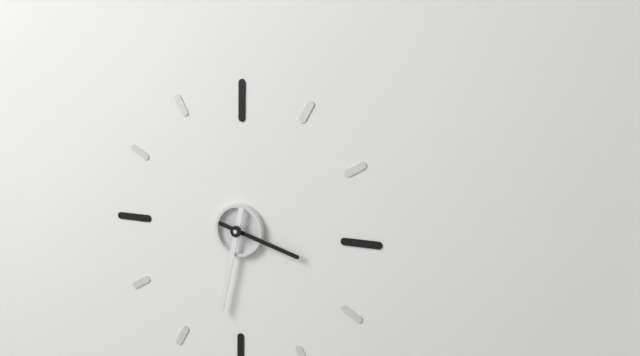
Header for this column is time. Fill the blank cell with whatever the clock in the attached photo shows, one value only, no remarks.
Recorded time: 3:32
